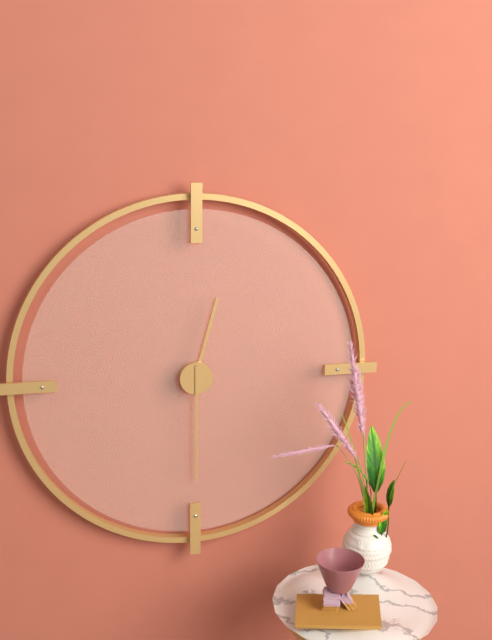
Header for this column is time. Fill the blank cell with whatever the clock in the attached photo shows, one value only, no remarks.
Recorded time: 12:30
